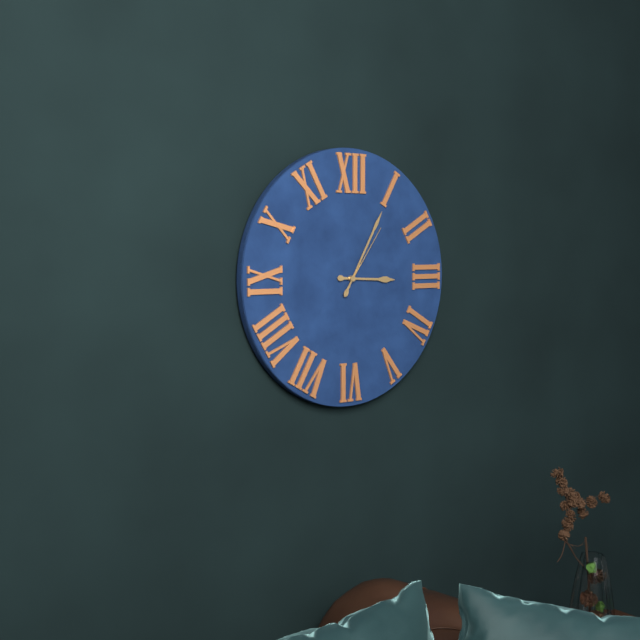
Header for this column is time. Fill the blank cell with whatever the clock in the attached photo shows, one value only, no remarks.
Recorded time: 3:05:06
